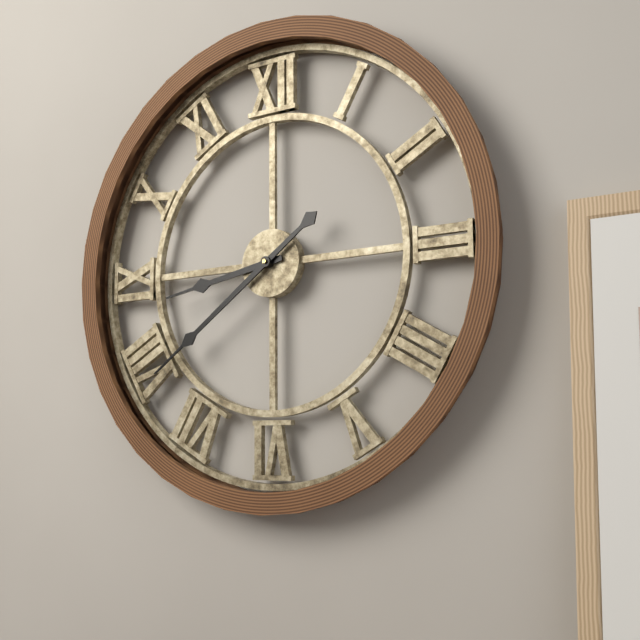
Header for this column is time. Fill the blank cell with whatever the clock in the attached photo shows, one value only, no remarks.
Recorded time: 8:39
